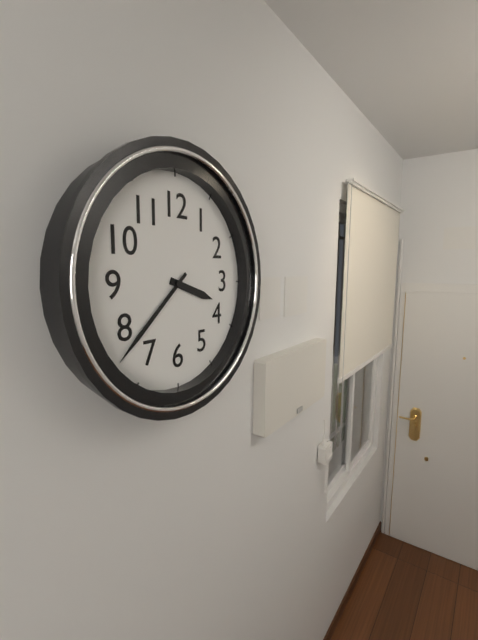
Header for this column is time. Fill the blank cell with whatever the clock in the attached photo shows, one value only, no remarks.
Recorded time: 3:38
